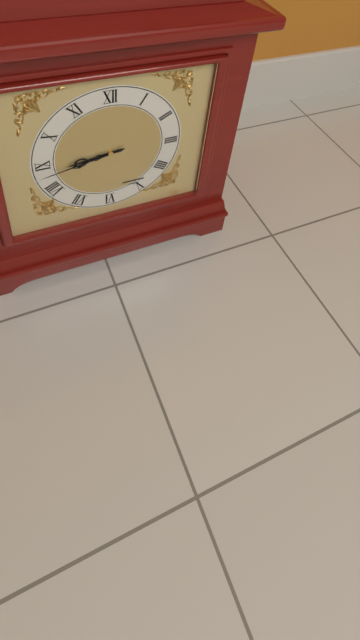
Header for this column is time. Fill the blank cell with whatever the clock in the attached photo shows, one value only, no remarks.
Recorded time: 8:43
